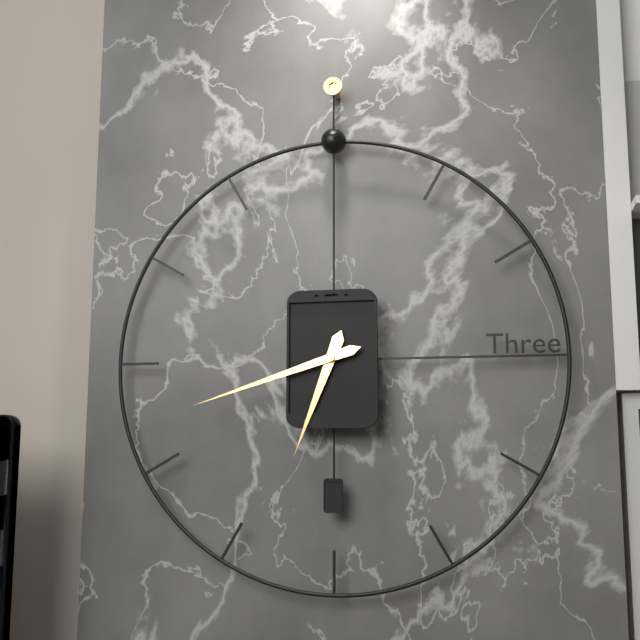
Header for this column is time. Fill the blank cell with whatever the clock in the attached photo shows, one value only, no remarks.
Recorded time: 6:42
